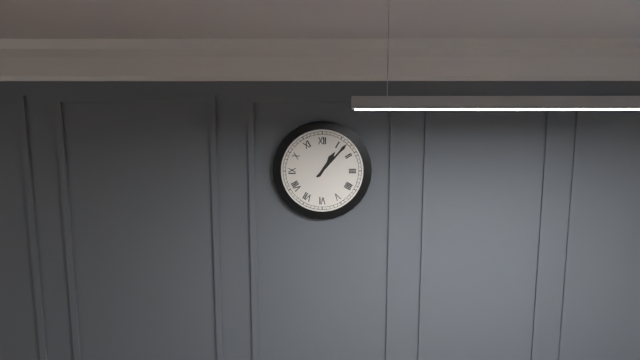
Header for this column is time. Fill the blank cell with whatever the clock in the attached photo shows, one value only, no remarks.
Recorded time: 1:07
